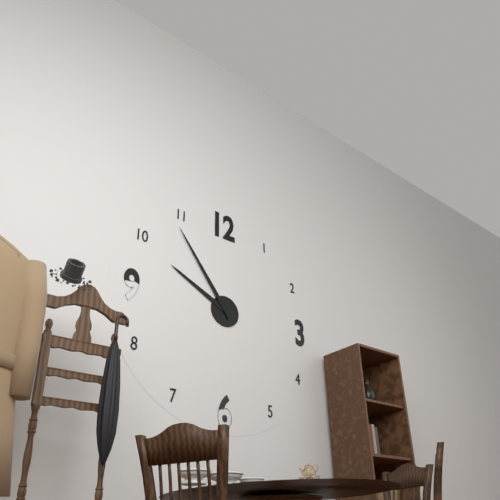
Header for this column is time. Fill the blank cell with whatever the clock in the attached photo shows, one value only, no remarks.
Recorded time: 9:54
